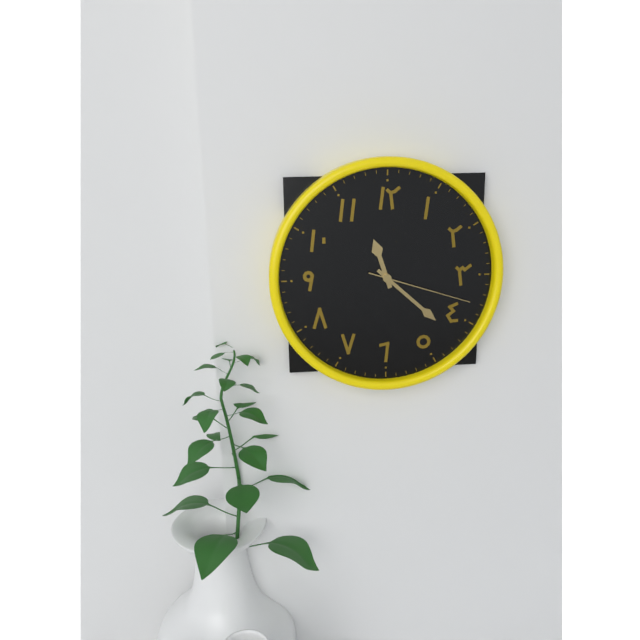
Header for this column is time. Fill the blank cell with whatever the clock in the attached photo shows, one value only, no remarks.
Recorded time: 11:22:18
